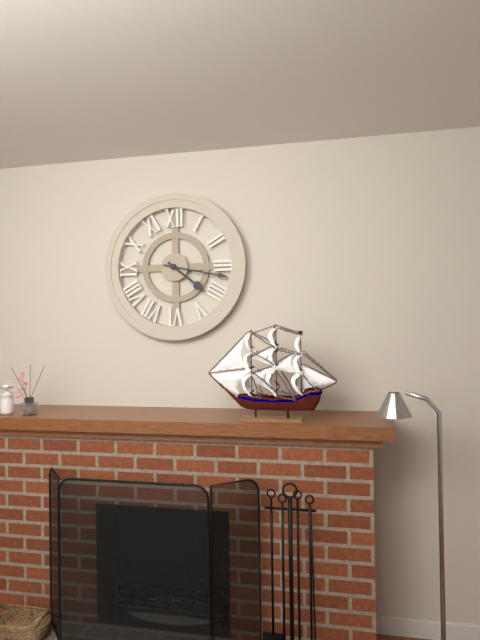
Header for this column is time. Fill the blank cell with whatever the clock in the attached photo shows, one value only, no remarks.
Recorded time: 4:17
